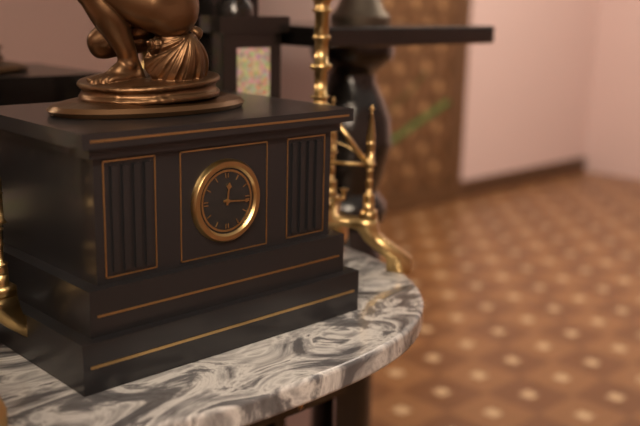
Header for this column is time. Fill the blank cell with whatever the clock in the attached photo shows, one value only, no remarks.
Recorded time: 12:16
